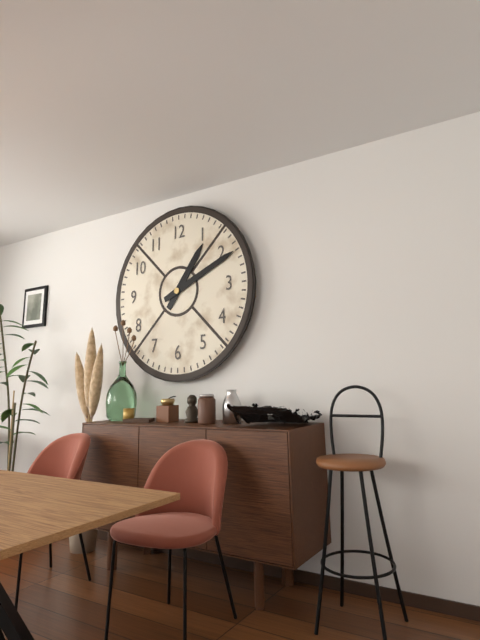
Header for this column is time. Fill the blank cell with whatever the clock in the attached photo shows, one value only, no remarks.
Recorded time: 1:11
